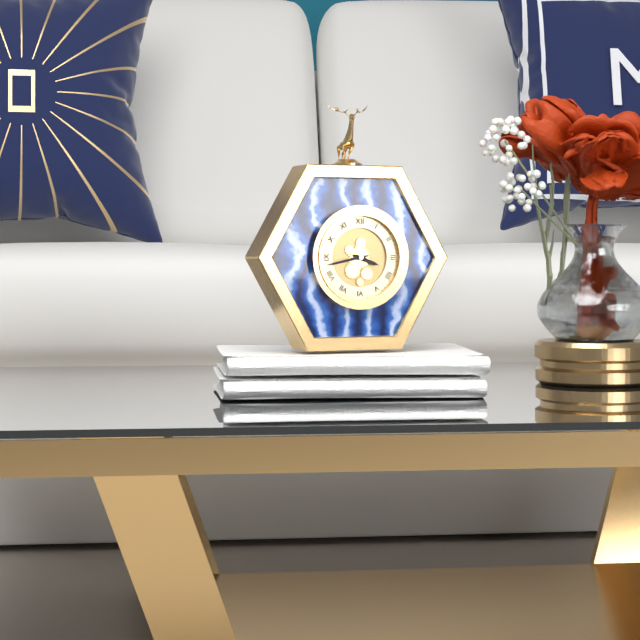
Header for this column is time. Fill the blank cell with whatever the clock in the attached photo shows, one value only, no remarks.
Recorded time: 3:43
